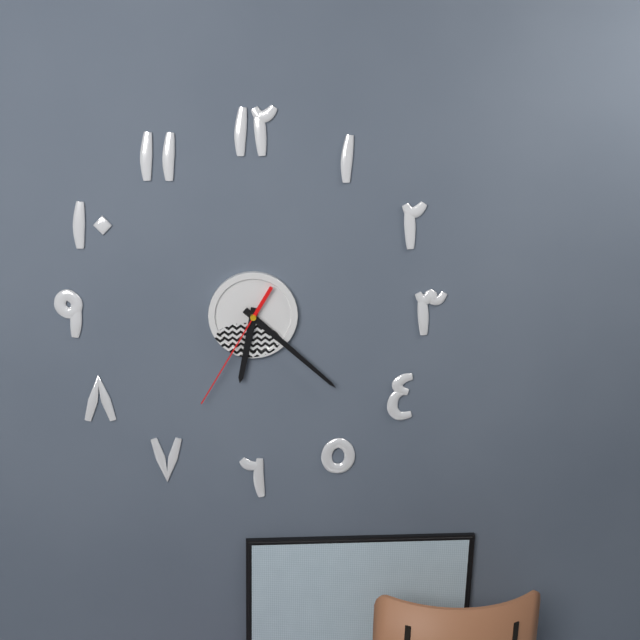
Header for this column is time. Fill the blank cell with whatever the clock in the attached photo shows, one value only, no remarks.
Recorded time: 6:22:35
